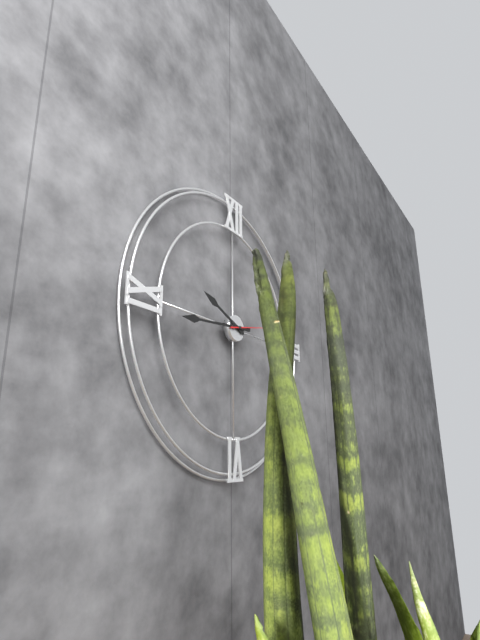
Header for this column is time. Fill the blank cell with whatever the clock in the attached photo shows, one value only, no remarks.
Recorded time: 9:44:13
